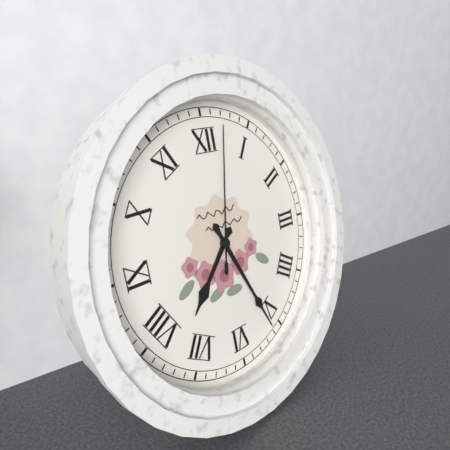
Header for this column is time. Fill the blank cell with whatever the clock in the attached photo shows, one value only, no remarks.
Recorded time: 7:26:02
